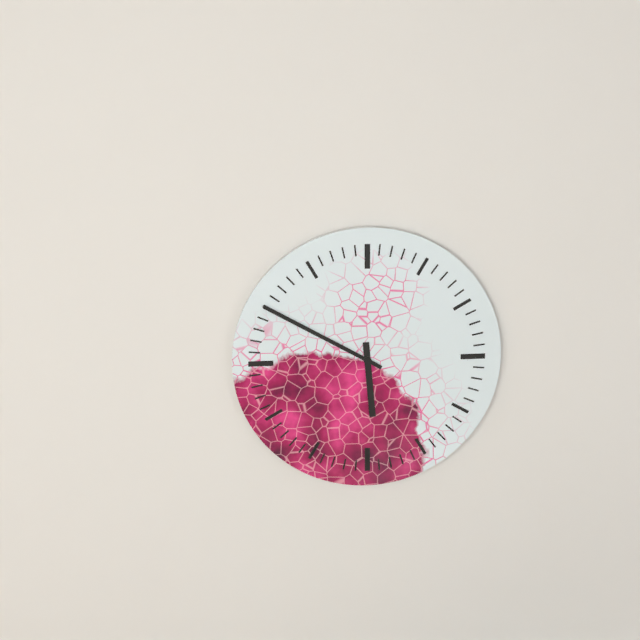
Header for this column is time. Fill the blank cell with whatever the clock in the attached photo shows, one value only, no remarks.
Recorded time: 5:50
